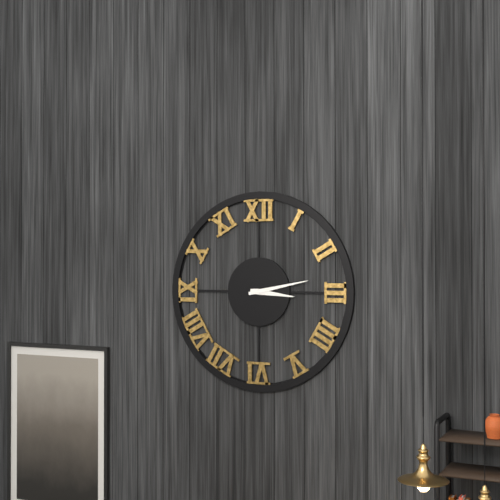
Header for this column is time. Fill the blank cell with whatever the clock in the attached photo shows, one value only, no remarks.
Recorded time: 3:13
